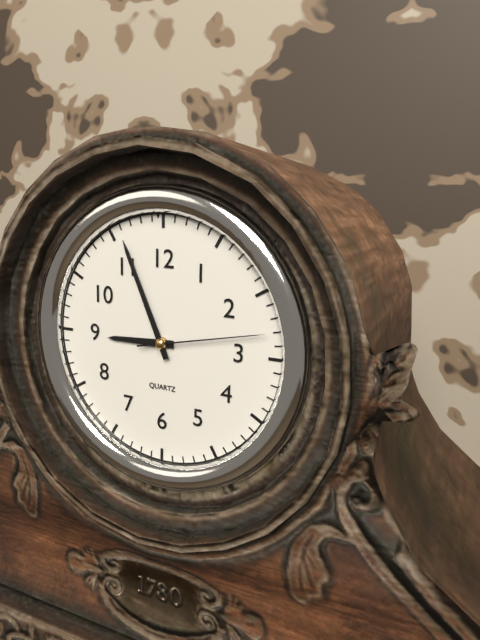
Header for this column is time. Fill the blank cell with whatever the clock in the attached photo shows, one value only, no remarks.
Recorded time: 8:56:13
